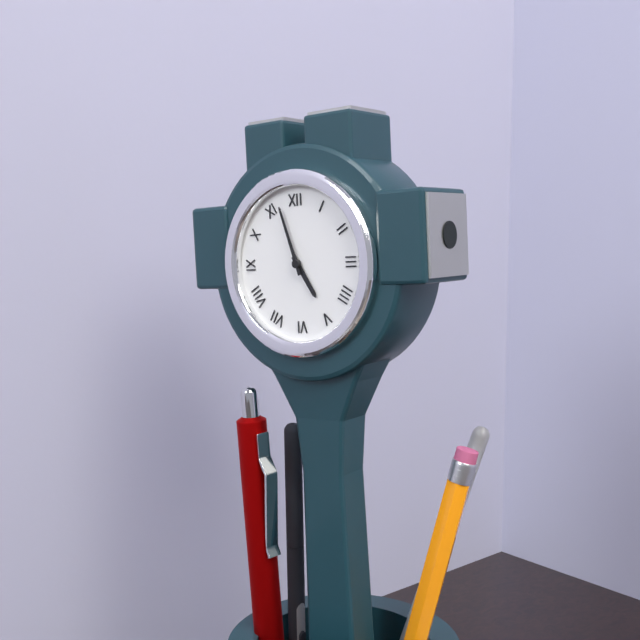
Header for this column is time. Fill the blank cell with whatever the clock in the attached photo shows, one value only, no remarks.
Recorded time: 4:57
